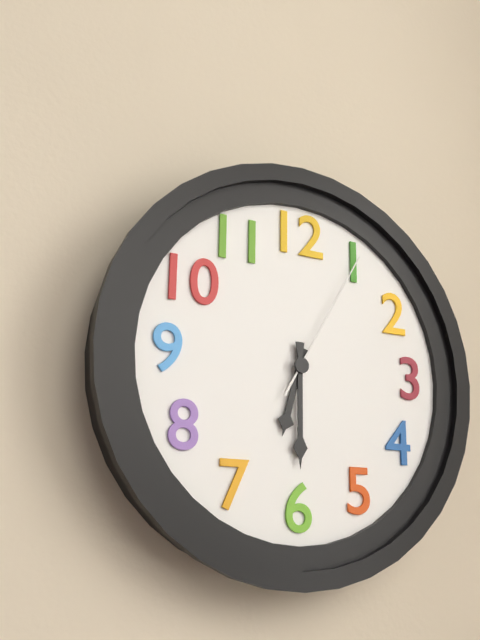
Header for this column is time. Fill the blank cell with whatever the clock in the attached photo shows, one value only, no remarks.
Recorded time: 6:30:05
